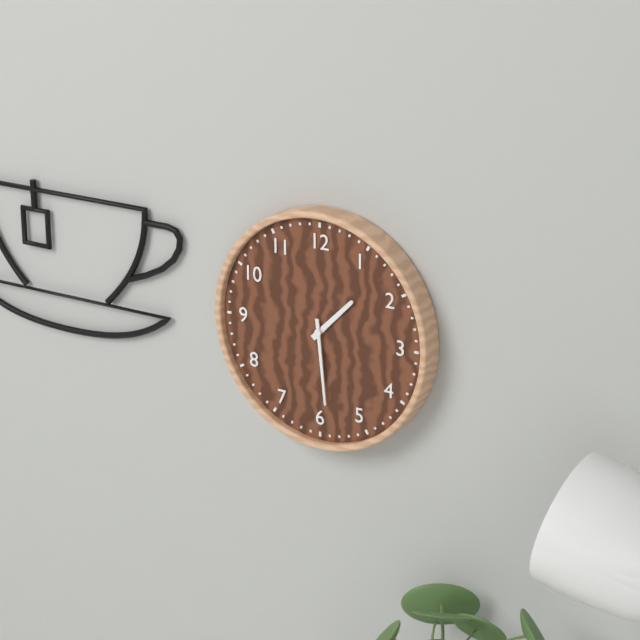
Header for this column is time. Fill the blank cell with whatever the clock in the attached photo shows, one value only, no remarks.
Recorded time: 1:29
